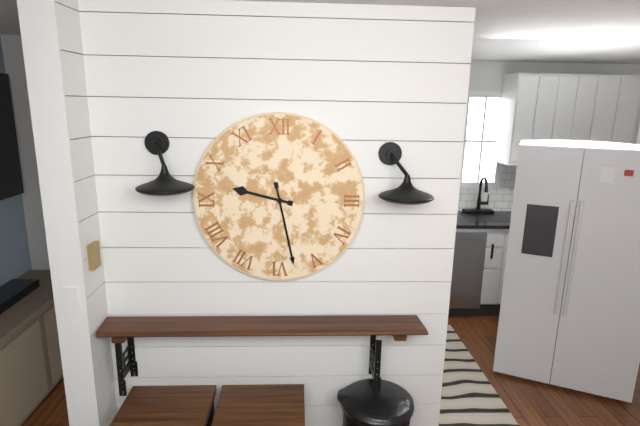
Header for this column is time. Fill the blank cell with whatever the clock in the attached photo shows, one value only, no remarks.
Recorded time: 9:28
